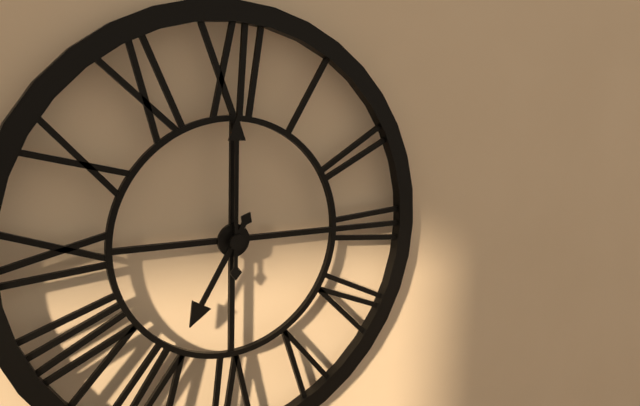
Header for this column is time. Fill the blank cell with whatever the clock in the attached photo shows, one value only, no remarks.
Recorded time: 7:00
